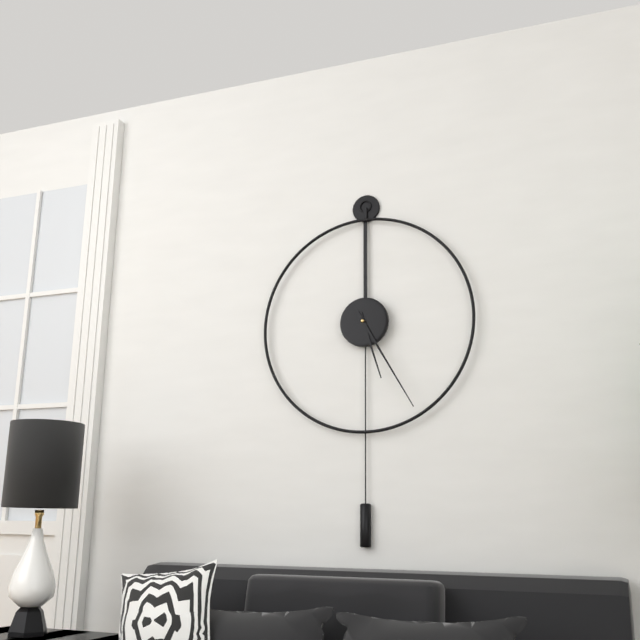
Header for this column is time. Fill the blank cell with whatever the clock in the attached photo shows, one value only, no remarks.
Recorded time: 5:25
